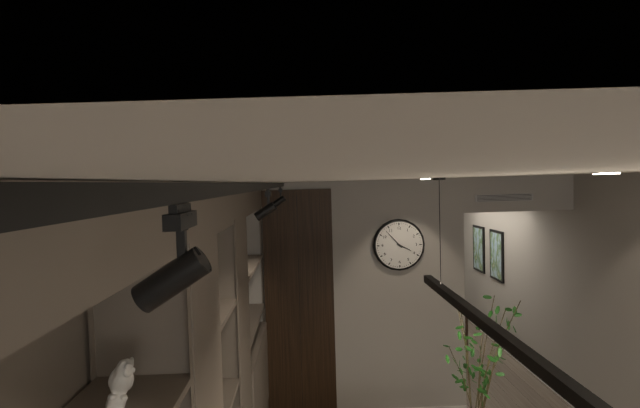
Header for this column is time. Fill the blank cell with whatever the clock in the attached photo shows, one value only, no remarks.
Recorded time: 3:53
